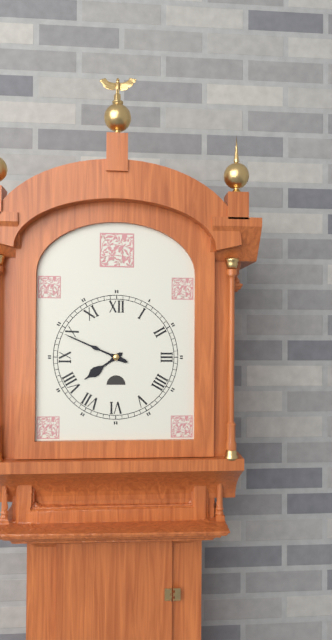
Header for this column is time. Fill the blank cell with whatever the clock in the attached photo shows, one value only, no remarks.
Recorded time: 7:49
